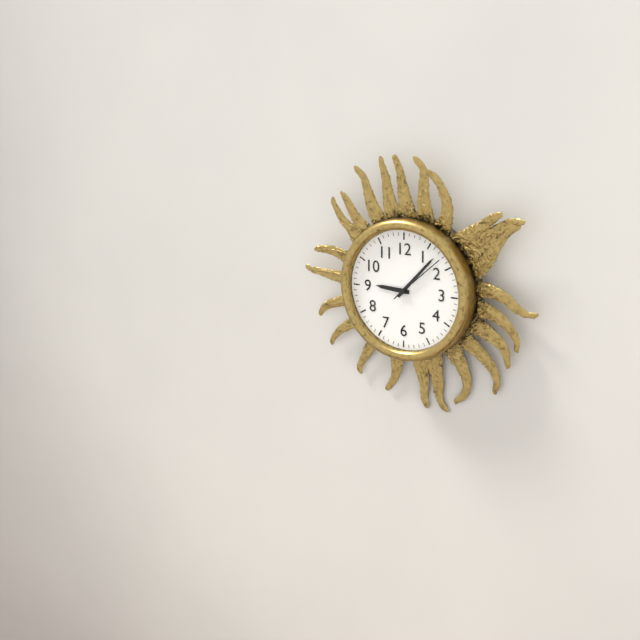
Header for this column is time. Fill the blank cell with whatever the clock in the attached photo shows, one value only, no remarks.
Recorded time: 9:07:08
